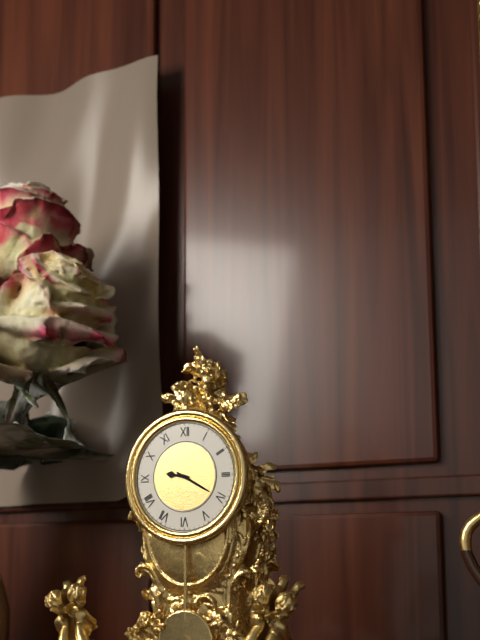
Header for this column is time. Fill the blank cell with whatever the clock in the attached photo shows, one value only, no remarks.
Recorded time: 9:20
